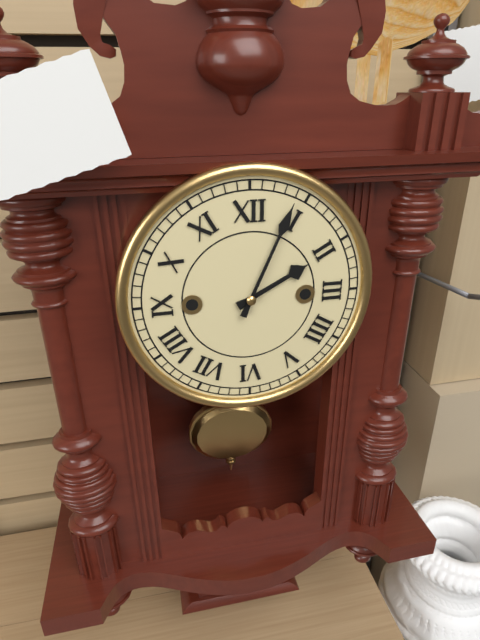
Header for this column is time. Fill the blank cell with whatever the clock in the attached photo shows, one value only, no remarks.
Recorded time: 2:04
